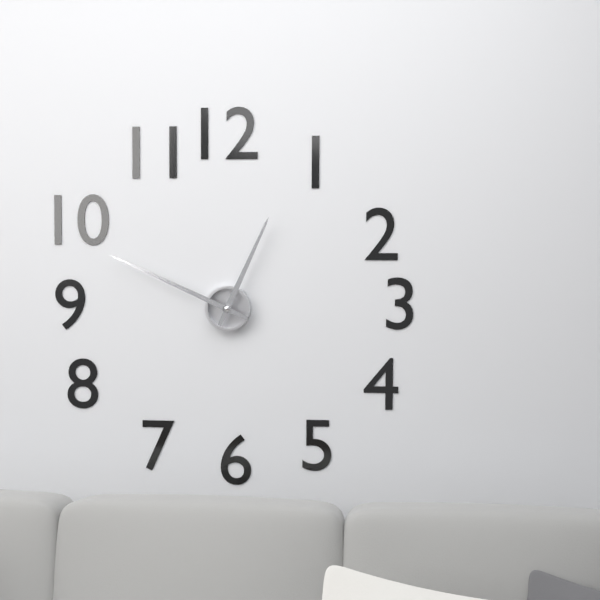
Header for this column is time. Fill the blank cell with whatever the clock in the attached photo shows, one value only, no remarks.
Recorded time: 12:49
